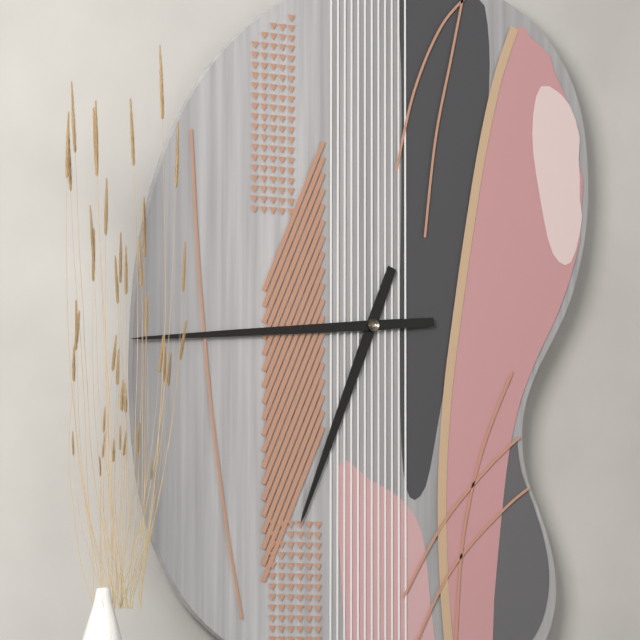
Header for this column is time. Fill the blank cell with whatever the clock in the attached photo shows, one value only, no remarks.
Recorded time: 6:44
